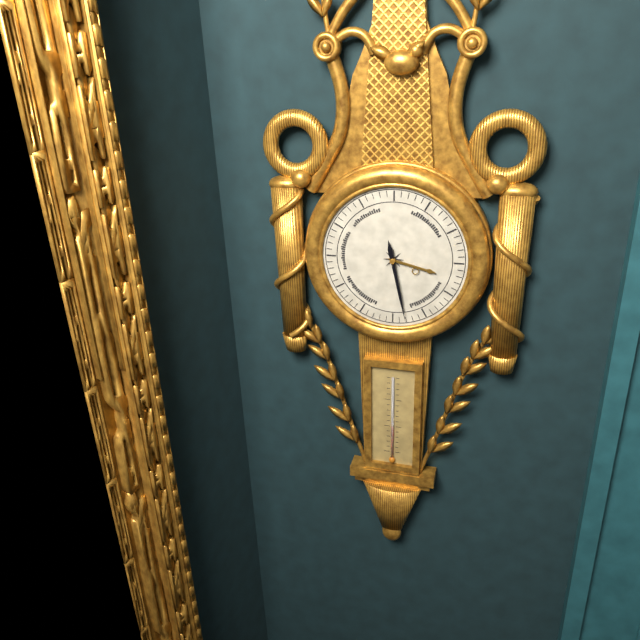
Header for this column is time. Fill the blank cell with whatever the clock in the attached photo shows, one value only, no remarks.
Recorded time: 3:28
